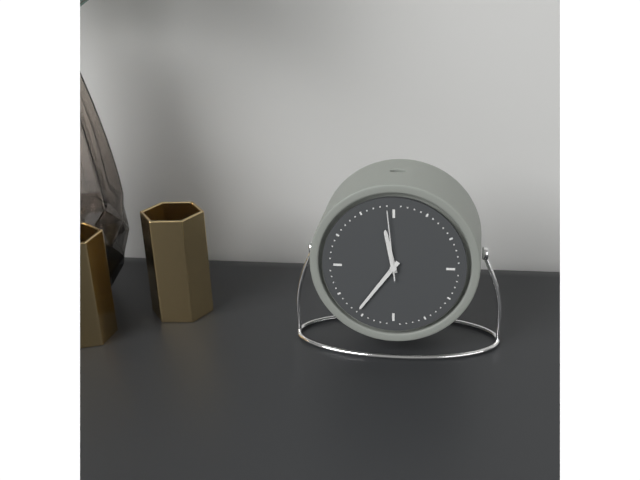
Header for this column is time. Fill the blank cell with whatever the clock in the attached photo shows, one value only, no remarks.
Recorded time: 11:36:59
